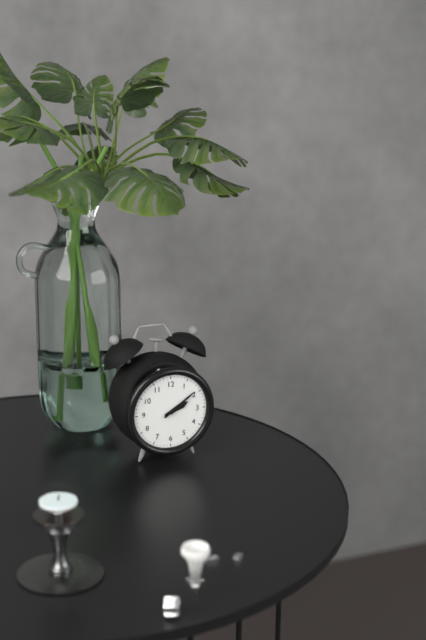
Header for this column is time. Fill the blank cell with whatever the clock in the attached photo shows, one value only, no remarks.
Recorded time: 2:09
